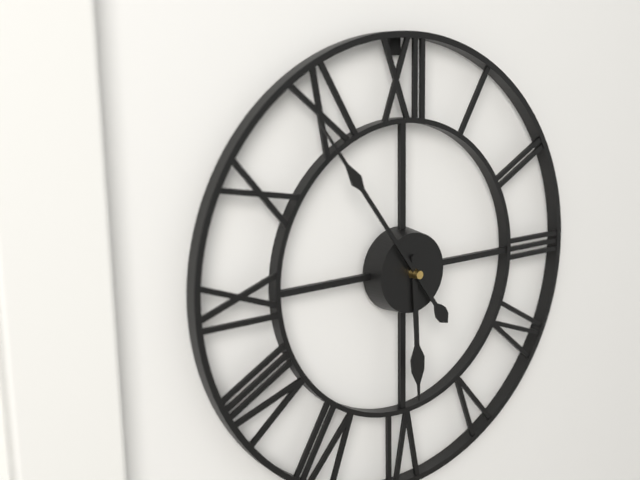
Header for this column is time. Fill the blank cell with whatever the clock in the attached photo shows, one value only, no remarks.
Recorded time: 5:54
